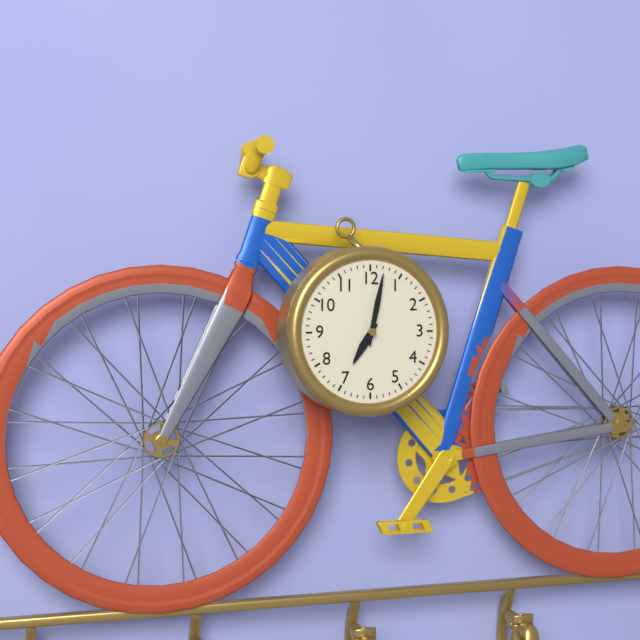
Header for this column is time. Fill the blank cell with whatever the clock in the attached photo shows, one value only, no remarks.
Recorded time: 7:02
